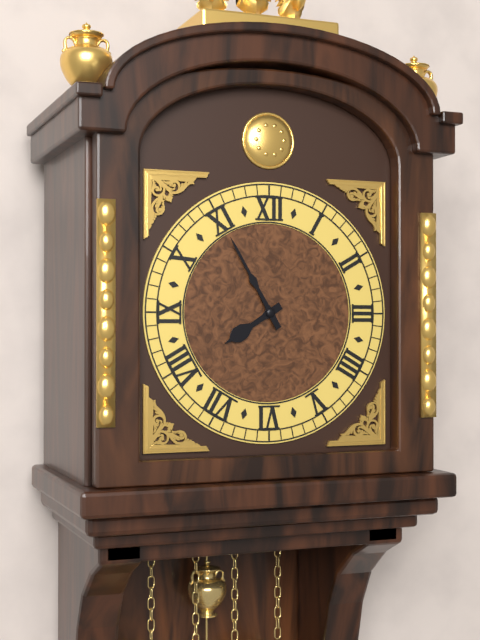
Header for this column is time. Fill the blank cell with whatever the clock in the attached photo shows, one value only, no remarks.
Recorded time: 7:55
